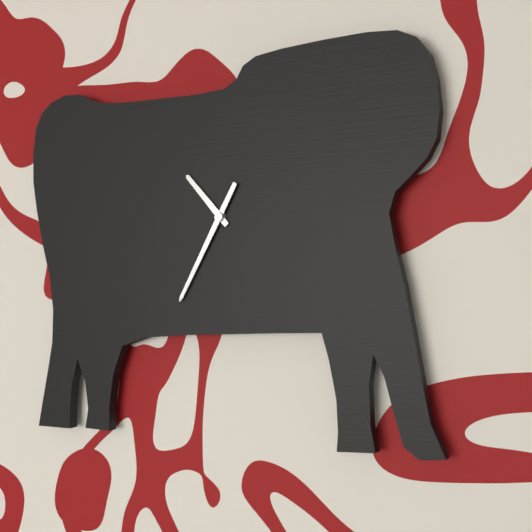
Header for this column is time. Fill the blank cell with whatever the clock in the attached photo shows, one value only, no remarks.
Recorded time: 10:35
